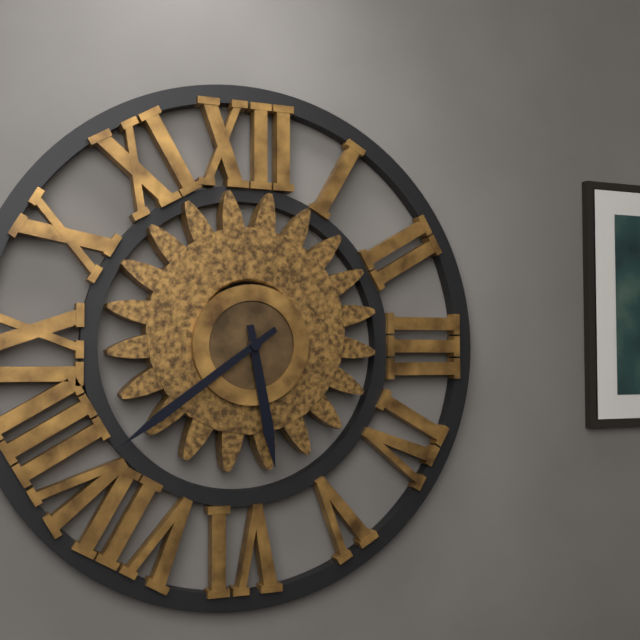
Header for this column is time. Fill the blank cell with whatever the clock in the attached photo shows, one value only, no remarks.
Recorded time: 5:39
